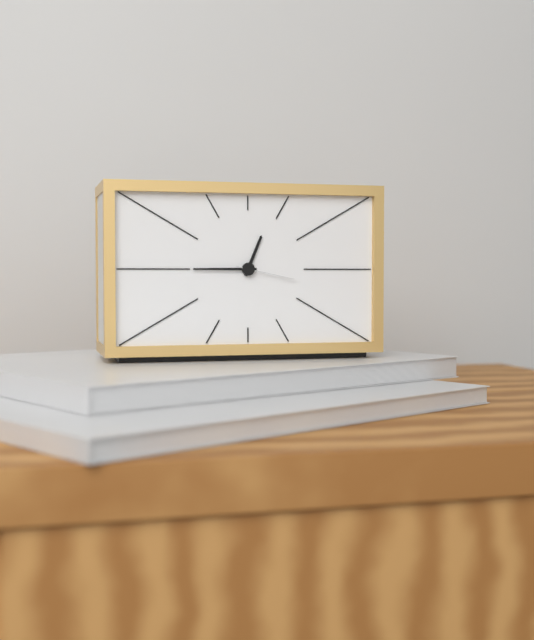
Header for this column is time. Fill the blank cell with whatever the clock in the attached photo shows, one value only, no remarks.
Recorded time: 12:45:17
